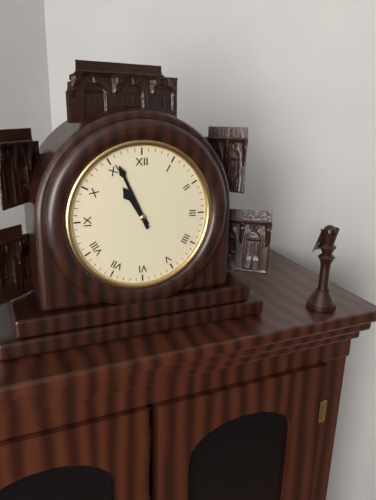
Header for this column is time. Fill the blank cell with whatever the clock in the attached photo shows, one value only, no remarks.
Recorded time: 10:56
